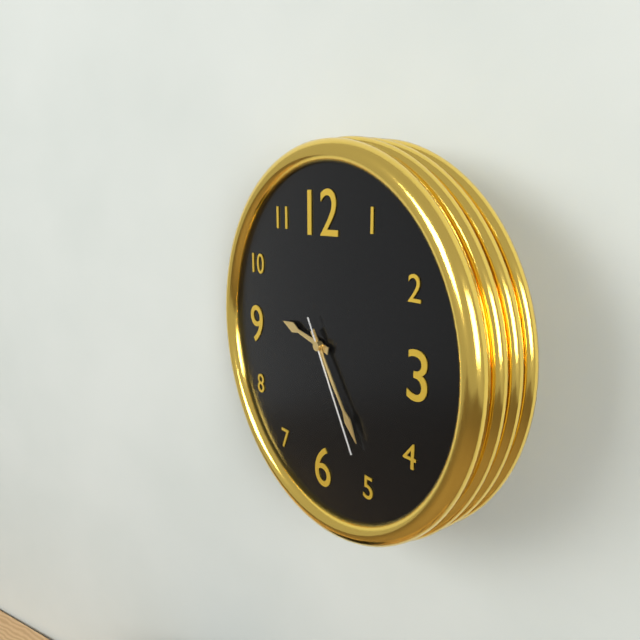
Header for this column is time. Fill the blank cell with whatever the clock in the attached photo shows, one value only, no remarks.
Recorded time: 9:24:25
